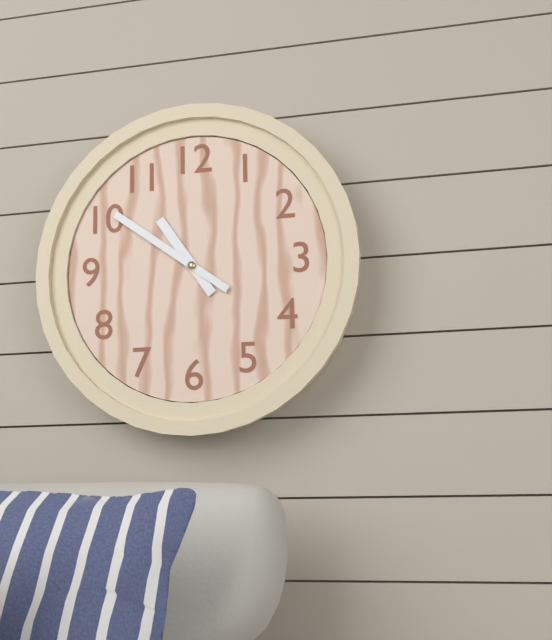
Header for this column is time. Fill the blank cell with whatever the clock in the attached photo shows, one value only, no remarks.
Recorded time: 10:51
